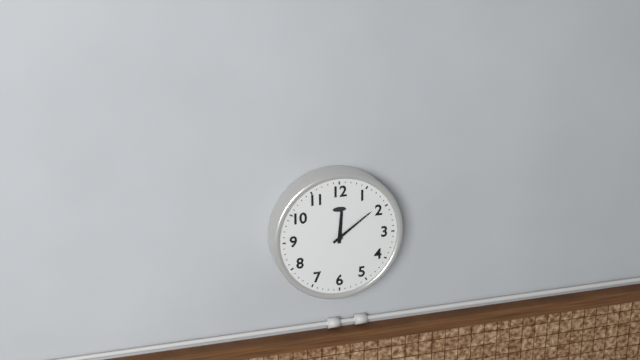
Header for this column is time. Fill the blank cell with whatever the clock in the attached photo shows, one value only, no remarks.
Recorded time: 12:09
